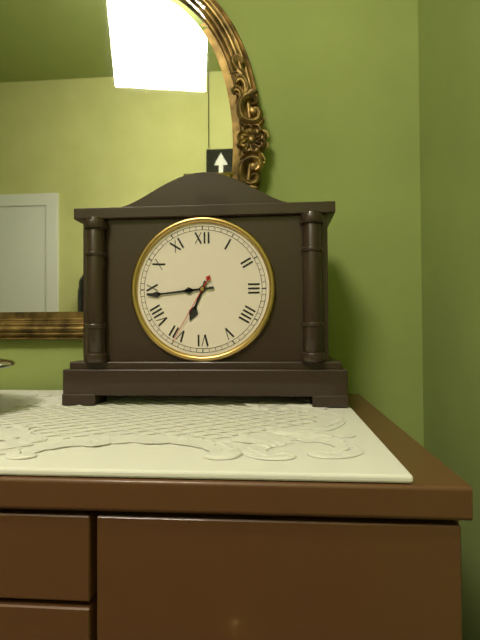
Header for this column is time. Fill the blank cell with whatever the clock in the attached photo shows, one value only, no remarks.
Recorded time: 6:44:35
